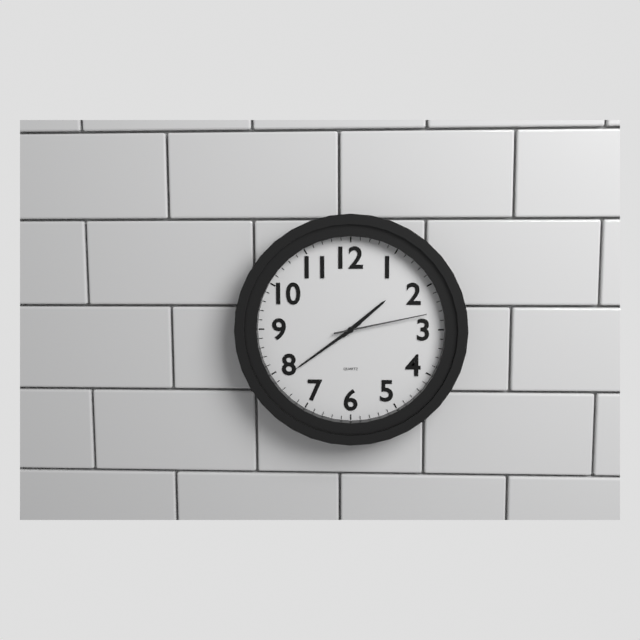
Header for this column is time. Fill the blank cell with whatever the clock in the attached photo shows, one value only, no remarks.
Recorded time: 1:39:13
